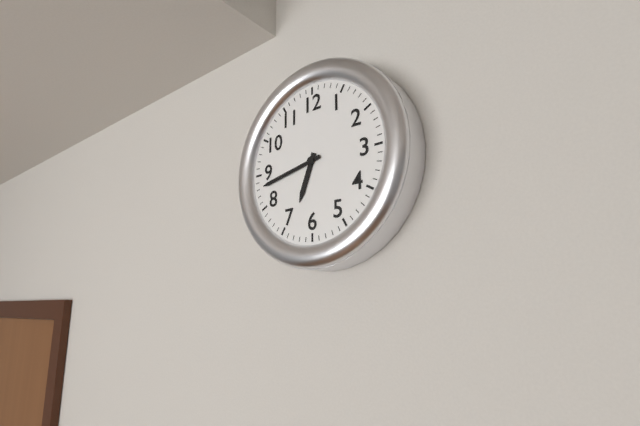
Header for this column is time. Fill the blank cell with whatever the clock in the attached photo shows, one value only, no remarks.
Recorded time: 6:43
